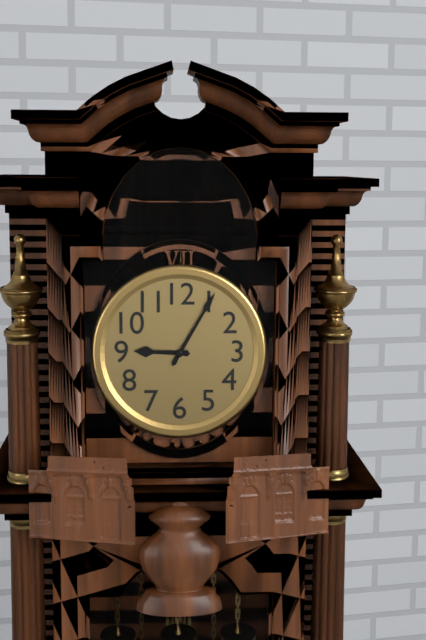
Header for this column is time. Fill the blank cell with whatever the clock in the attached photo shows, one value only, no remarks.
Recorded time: 9:05
